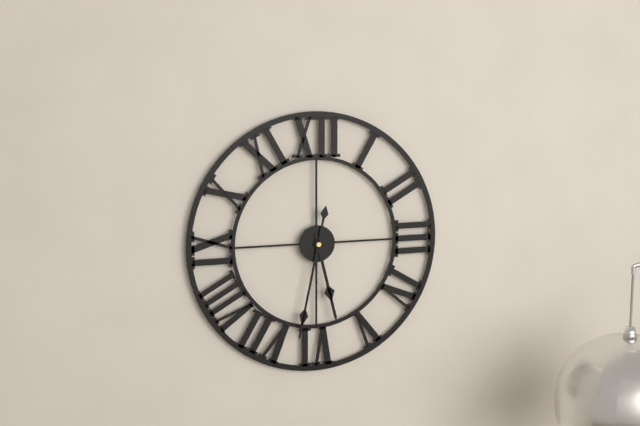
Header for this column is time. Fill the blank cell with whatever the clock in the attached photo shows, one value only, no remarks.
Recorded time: 5:32
